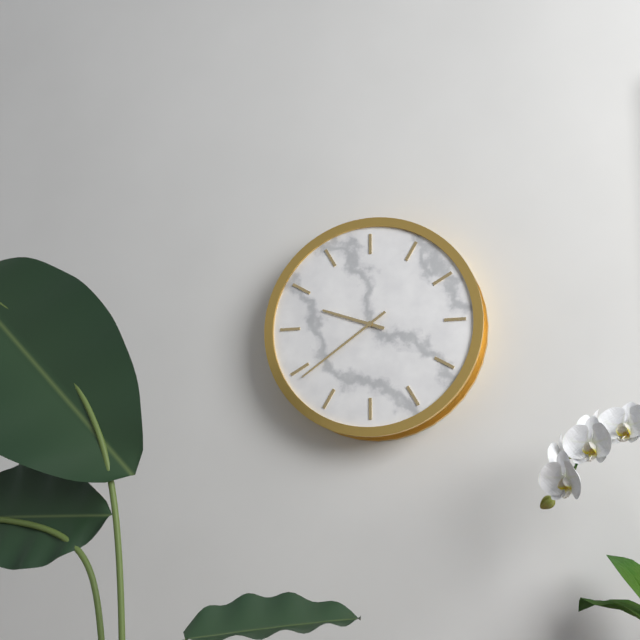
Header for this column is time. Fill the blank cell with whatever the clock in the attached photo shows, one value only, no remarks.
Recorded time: 9:39
